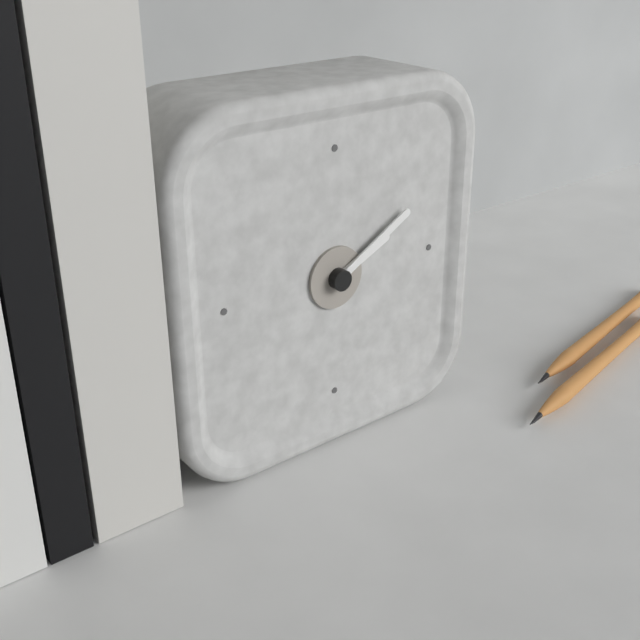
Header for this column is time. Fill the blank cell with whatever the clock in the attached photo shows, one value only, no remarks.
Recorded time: 2:10
